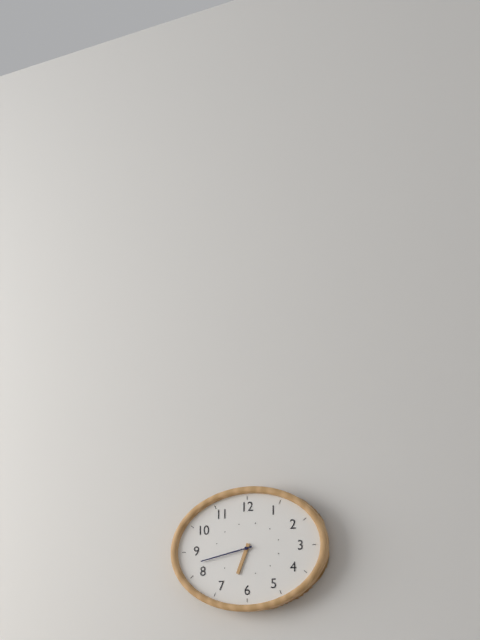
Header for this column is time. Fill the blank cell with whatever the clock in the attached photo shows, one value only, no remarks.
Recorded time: 6:43
